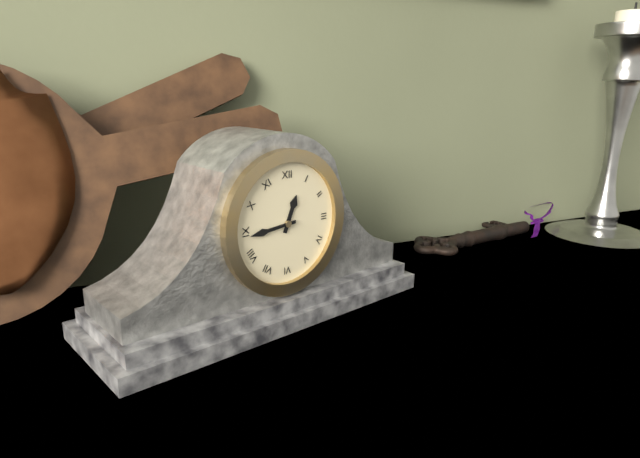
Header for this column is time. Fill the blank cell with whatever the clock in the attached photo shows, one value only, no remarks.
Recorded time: 12:44
